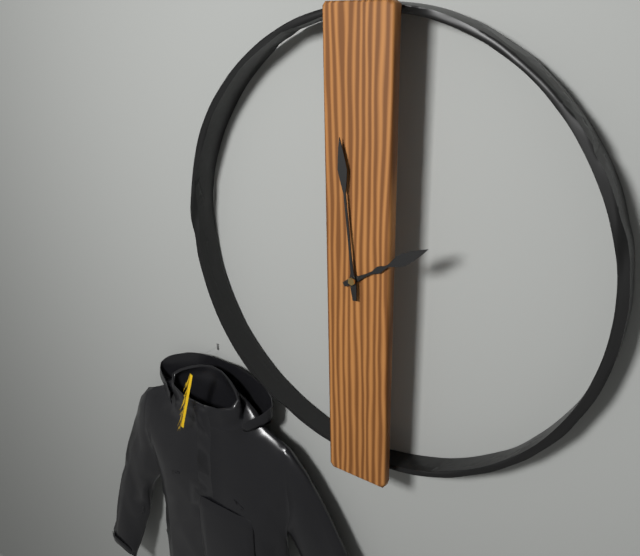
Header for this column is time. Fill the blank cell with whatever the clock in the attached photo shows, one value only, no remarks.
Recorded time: 1:59
